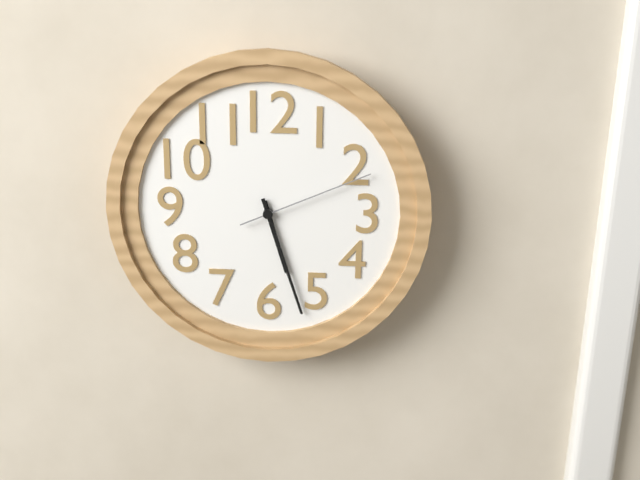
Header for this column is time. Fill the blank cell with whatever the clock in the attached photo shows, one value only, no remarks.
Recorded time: 5:27:11
